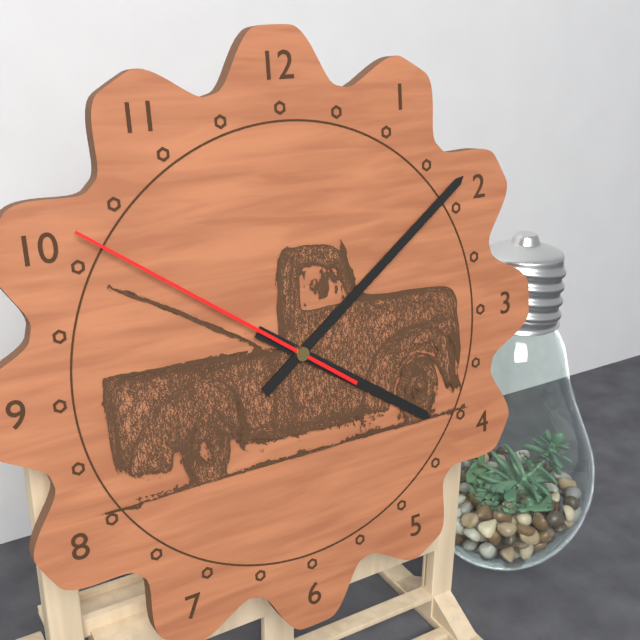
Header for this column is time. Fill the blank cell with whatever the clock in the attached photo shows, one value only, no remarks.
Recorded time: 4:09:51
